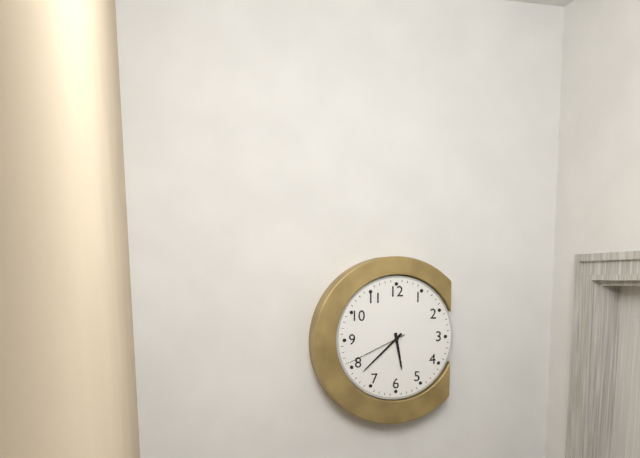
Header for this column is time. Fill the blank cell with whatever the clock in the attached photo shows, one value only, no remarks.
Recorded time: 5:38:41
